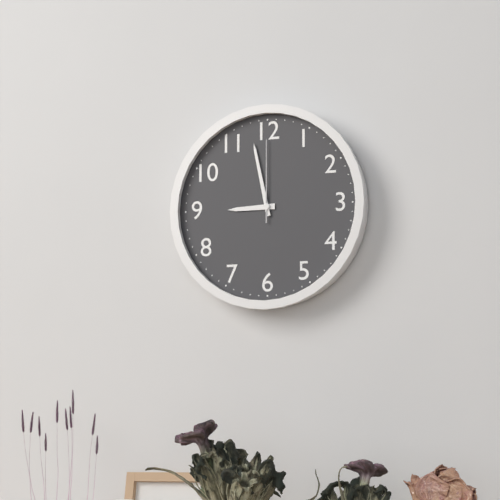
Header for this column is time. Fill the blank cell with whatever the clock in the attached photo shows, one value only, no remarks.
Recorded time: 8:58:00
